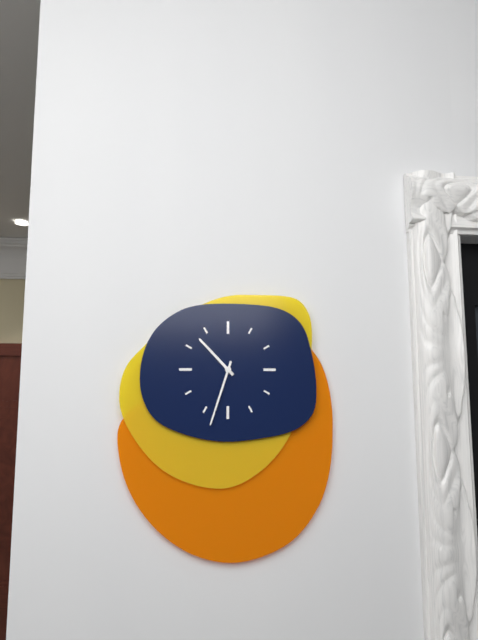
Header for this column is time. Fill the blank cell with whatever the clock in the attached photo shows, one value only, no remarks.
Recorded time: 10:33
